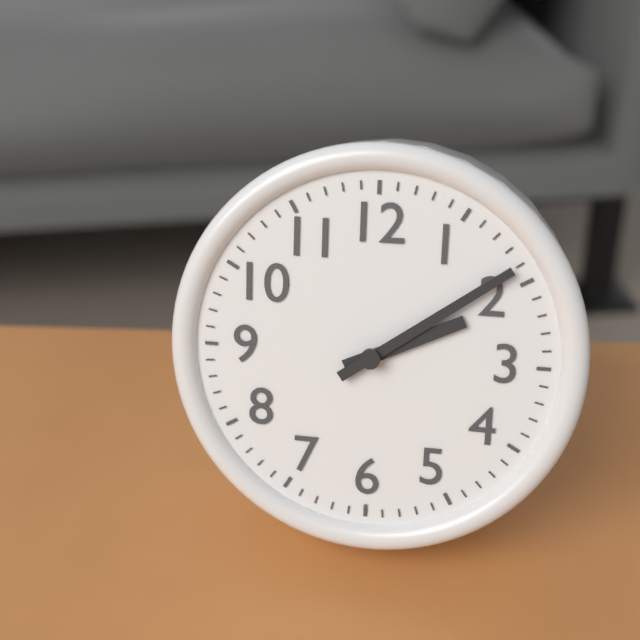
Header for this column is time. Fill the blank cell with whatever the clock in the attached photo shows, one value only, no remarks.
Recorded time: 2:09
